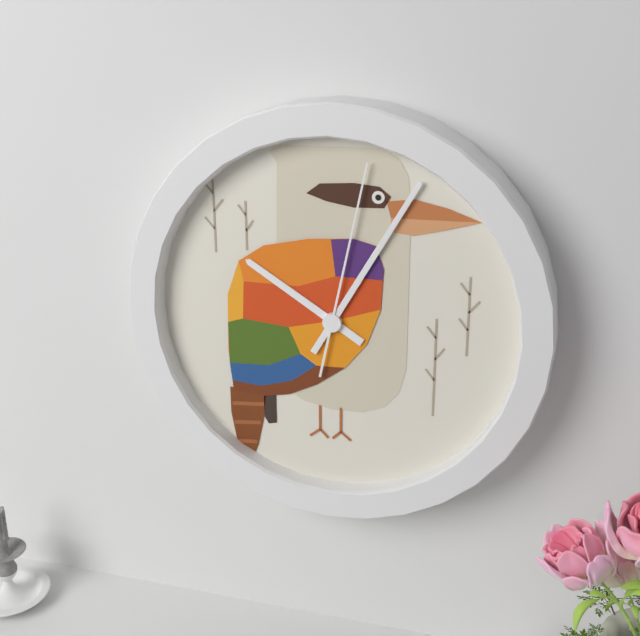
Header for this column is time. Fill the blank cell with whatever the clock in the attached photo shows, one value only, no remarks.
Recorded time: 10:05:02
